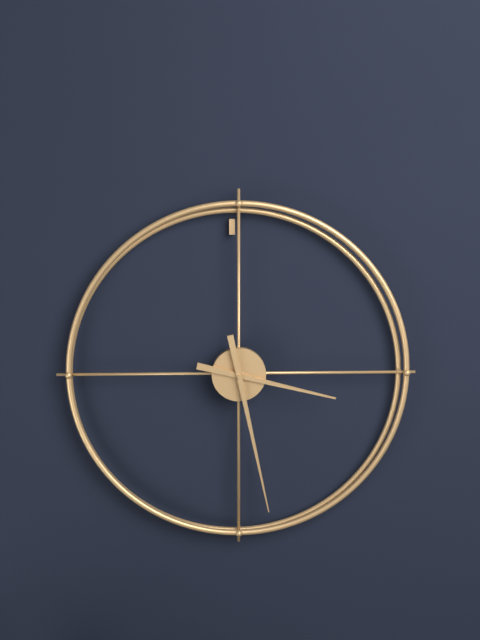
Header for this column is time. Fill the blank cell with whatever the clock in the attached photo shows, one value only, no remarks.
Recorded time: 3:28
